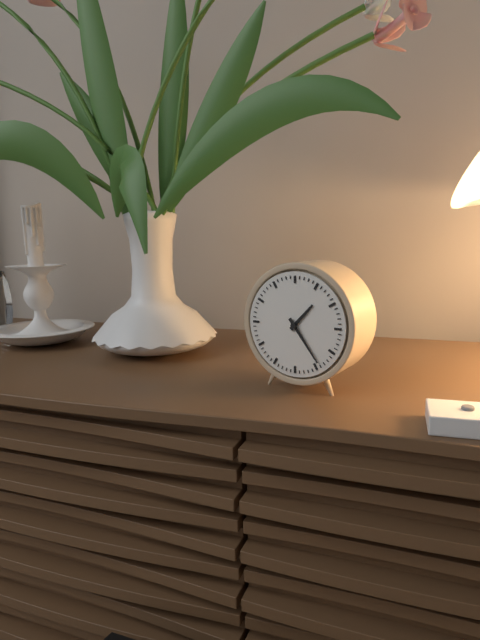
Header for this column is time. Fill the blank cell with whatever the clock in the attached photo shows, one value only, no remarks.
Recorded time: 1:24
